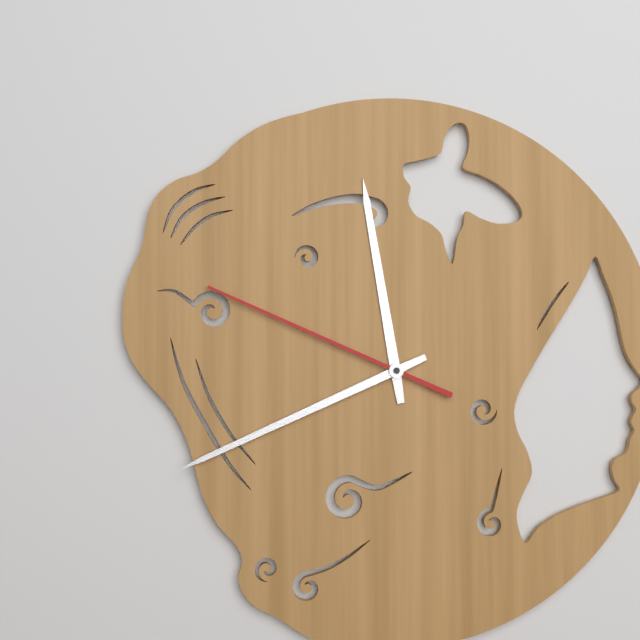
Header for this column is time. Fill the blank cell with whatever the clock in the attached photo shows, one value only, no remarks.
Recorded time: 11:41:49
